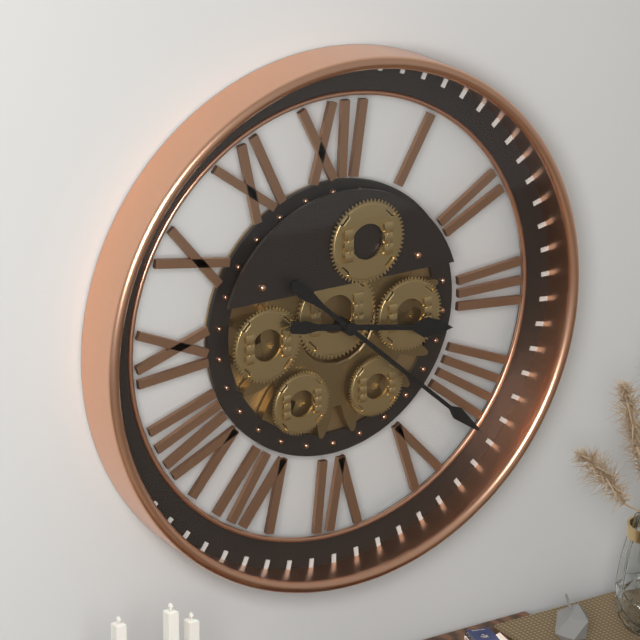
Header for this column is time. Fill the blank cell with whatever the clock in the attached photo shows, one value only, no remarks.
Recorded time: 3:22
